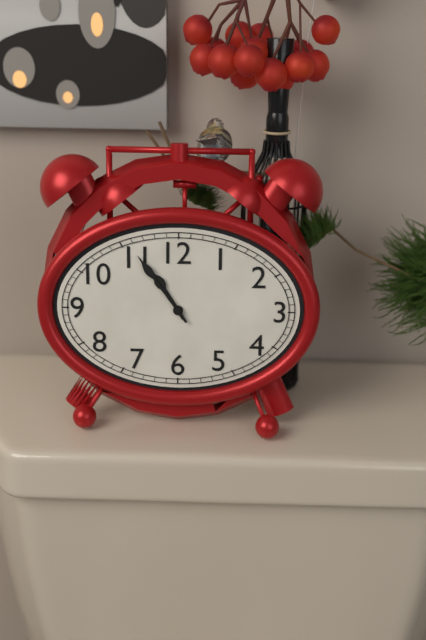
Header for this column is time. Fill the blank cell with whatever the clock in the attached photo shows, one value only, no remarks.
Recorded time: 10:54
